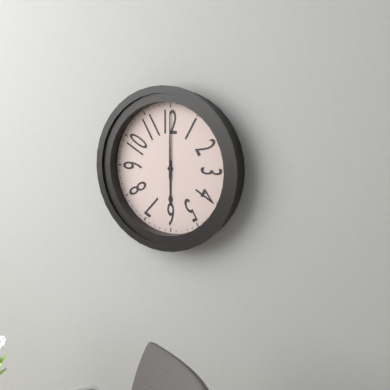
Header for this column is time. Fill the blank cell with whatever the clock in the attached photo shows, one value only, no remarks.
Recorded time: 6:00
